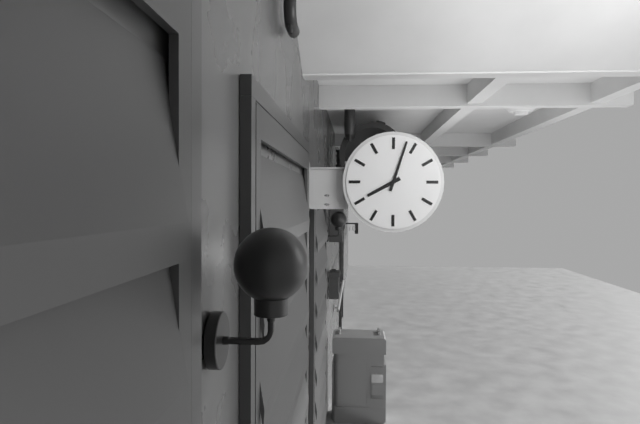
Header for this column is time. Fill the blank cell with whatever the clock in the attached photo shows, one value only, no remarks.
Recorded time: 8:03
